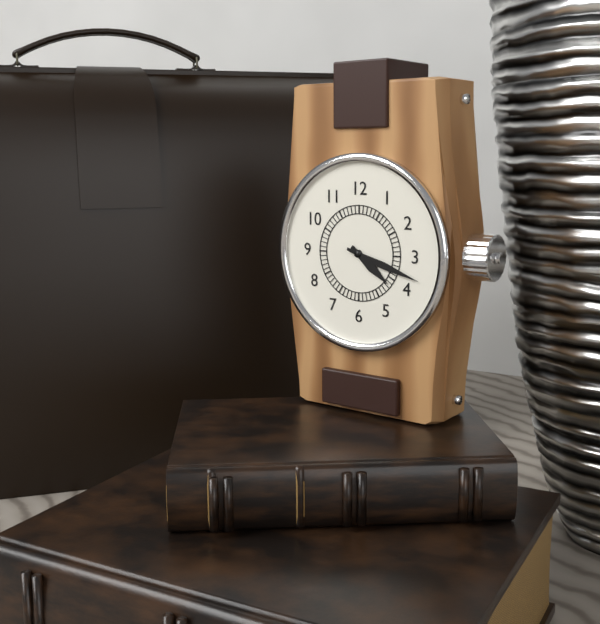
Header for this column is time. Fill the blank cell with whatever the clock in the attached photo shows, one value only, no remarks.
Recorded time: 4:18
